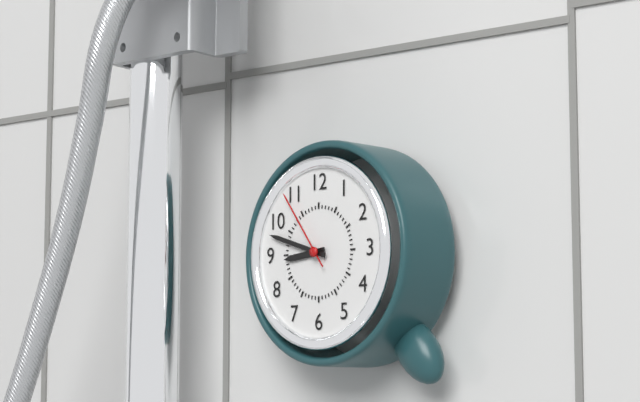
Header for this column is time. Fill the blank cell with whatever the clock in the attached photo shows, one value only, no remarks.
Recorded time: 8:48:54
